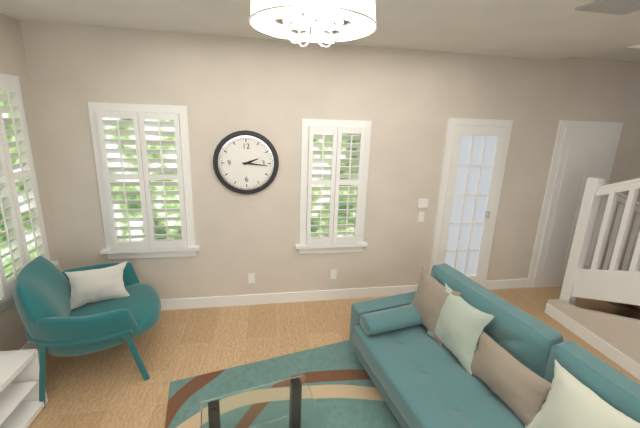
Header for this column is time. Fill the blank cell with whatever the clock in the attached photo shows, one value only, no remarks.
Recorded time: 2:16
